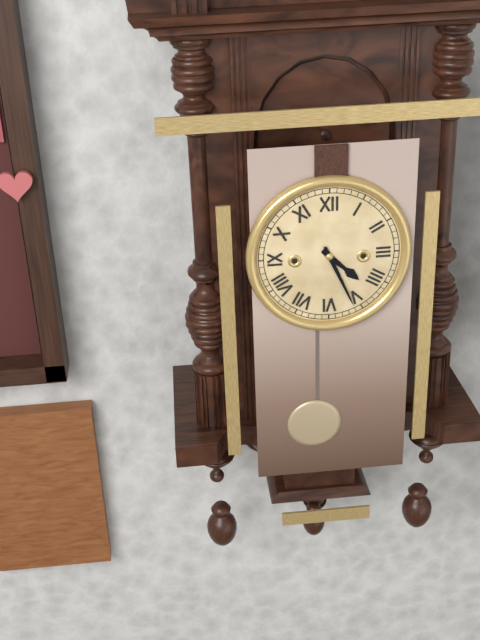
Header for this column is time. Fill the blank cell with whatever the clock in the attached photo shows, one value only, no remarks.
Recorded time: 4:26
